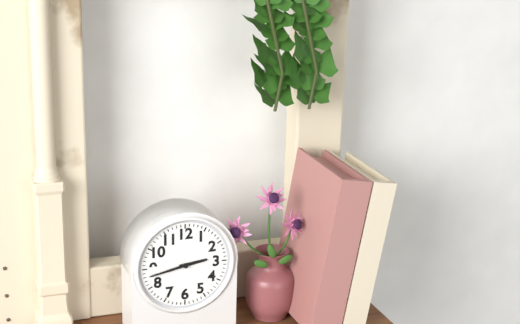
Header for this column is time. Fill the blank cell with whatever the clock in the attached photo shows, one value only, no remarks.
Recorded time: 2:43
